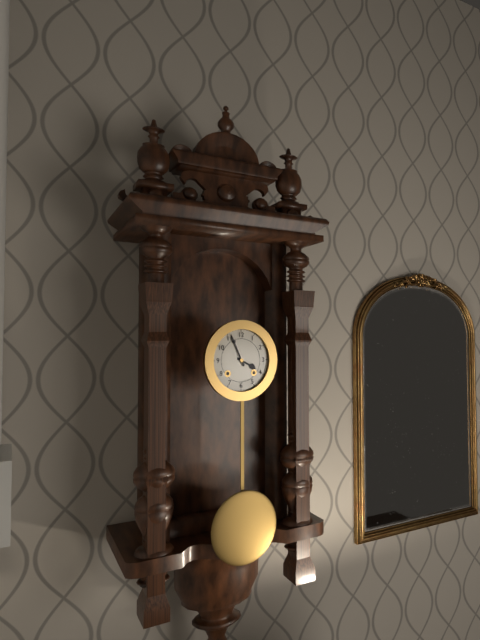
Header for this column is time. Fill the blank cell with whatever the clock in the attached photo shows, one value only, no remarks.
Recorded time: 3:56
